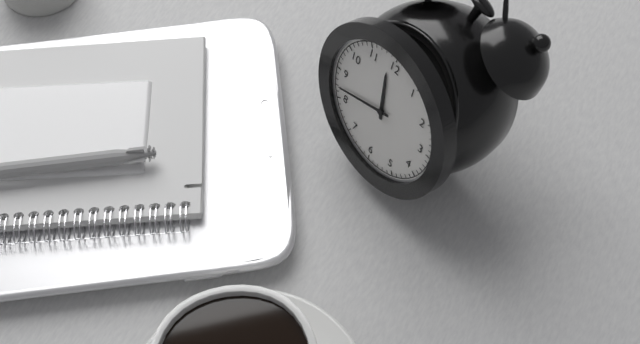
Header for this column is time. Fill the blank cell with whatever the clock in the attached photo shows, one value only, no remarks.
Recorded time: 11:42
